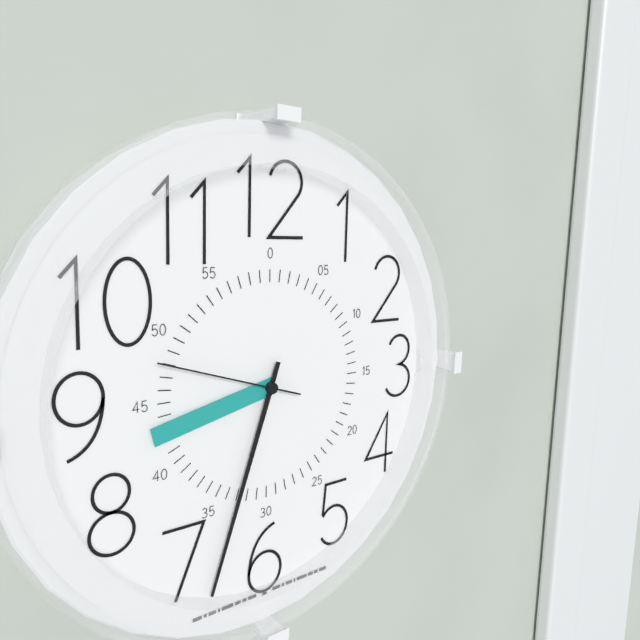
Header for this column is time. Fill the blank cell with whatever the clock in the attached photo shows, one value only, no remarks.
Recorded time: 8:33:48
